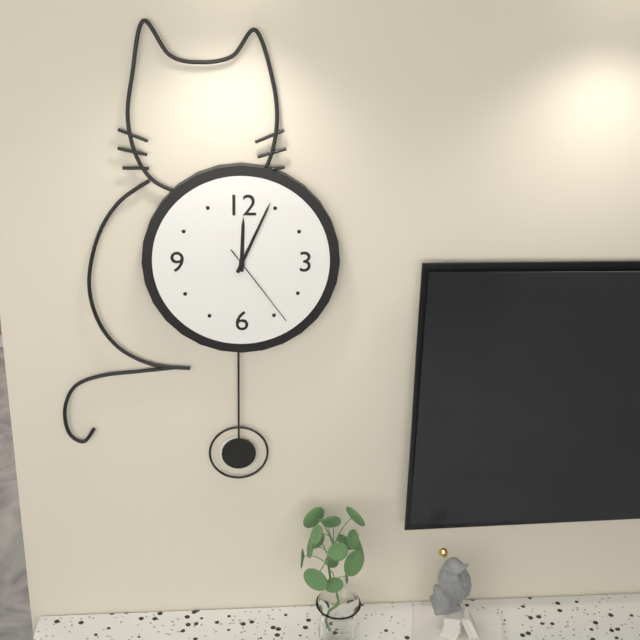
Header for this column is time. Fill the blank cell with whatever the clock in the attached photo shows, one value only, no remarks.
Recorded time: 12:04:24
